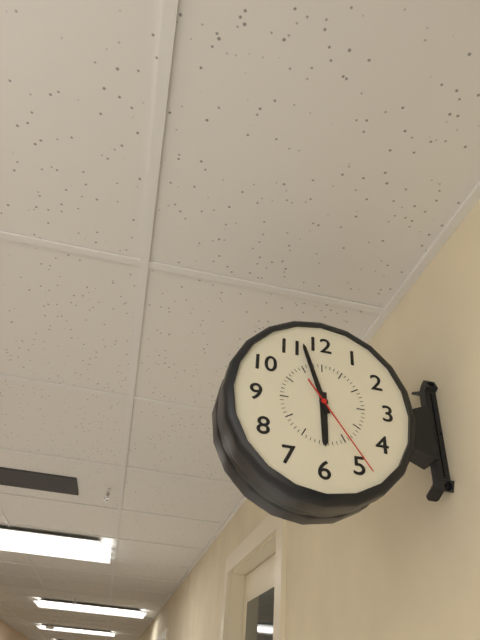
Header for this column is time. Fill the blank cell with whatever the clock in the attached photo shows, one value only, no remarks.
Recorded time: 5:57:24
